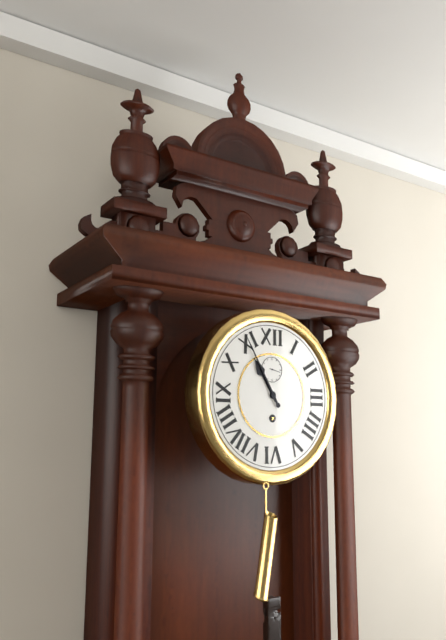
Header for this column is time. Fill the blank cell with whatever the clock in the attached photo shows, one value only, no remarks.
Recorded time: 10:55
